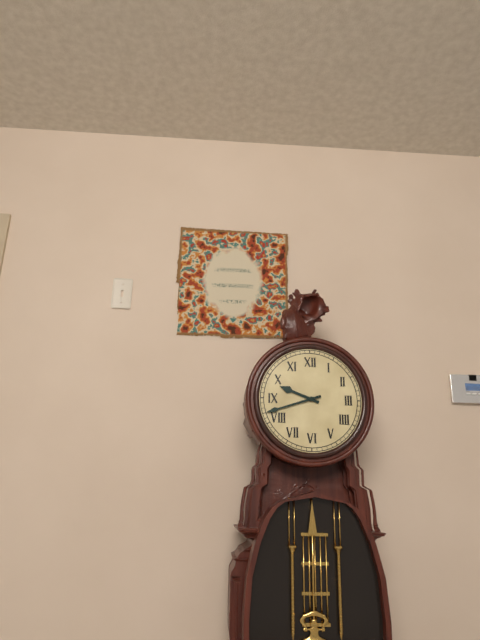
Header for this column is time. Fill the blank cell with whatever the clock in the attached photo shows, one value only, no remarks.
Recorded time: 9:42
